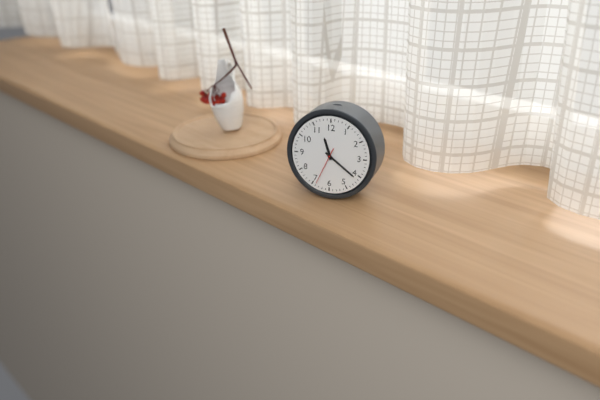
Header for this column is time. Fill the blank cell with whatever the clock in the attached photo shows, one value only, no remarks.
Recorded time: 11:21
